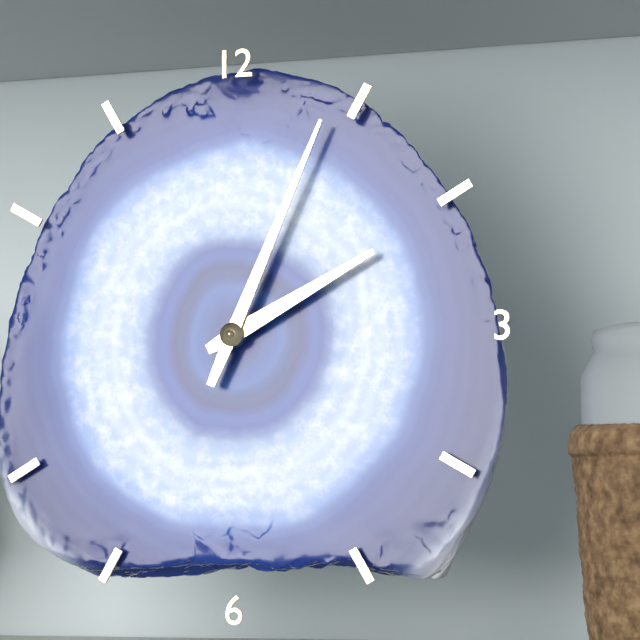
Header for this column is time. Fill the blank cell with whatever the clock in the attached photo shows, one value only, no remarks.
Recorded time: 2:04
